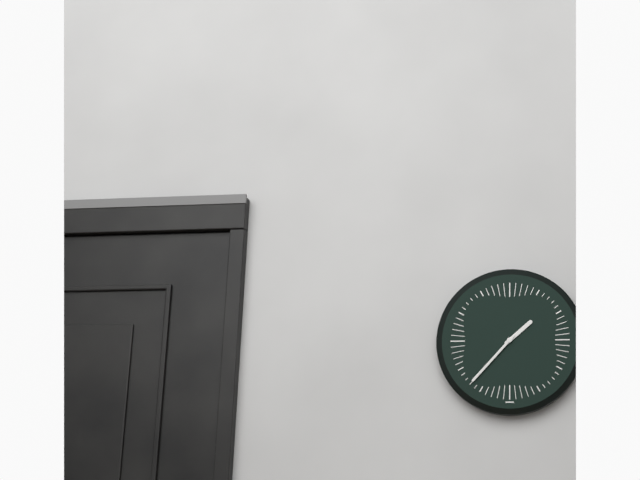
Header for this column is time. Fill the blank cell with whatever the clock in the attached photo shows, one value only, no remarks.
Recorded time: 1:37
